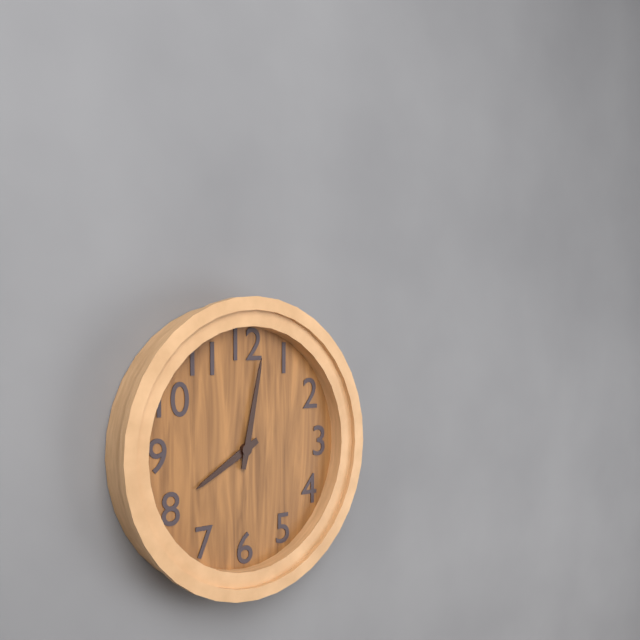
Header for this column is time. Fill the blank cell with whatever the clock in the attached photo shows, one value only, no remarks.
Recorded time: 8:02
